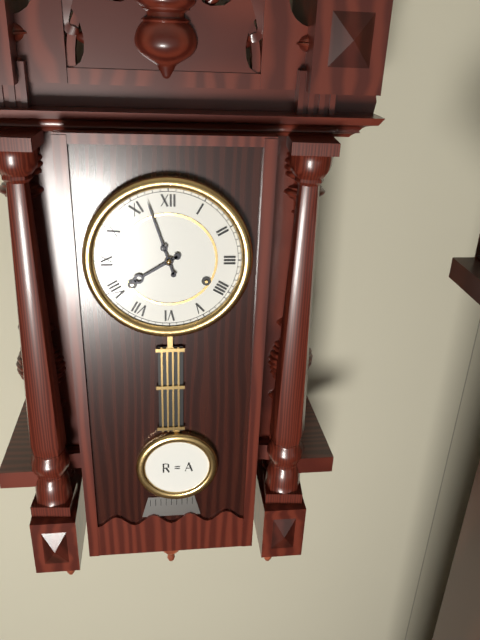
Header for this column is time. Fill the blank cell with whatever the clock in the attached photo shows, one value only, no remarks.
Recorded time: 7:57
